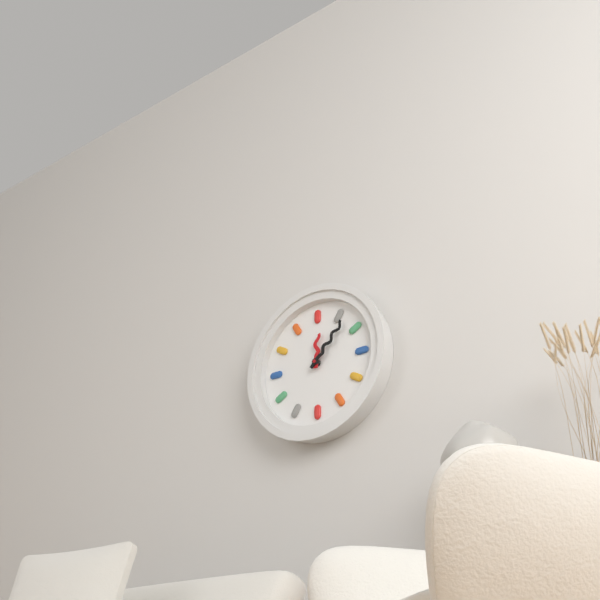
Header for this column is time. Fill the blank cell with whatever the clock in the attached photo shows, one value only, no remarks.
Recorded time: 12:07
